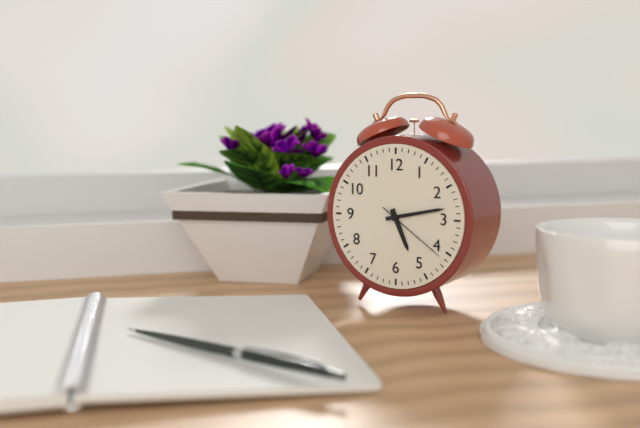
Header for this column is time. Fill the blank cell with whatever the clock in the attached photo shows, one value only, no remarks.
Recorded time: 5:13:21
